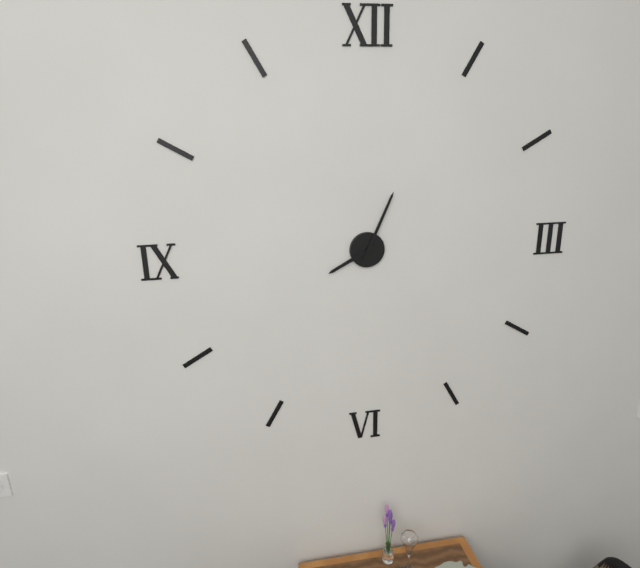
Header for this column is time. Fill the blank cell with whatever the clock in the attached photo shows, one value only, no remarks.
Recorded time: 8:04
